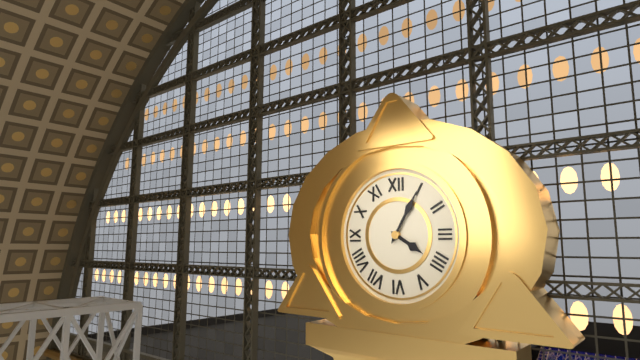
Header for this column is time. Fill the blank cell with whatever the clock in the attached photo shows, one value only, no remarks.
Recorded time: 4:05
